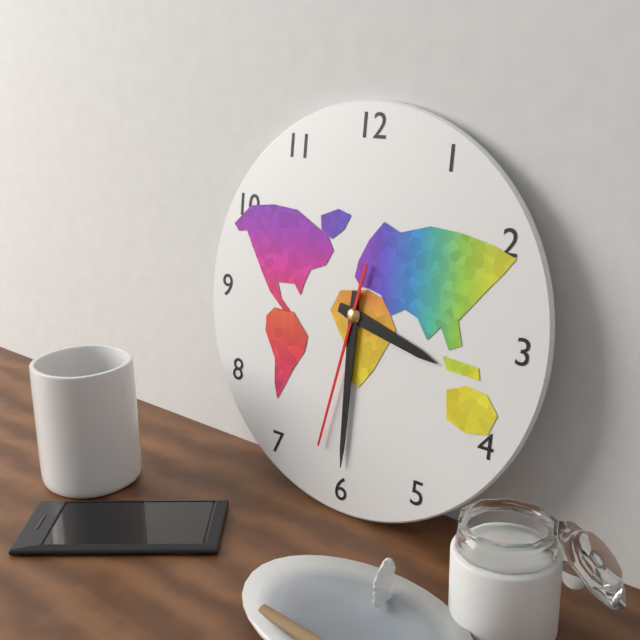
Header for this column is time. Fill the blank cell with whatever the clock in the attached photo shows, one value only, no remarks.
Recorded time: 3:30:32
